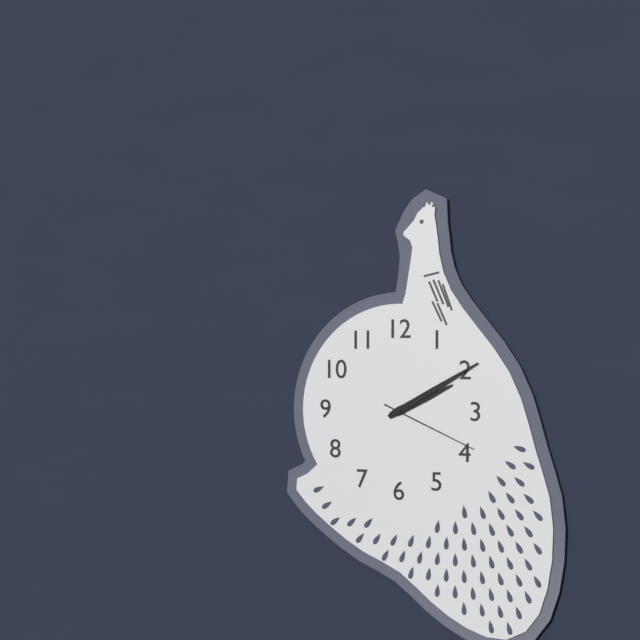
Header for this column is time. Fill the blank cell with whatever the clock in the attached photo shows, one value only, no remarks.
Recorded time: 2:10:19
